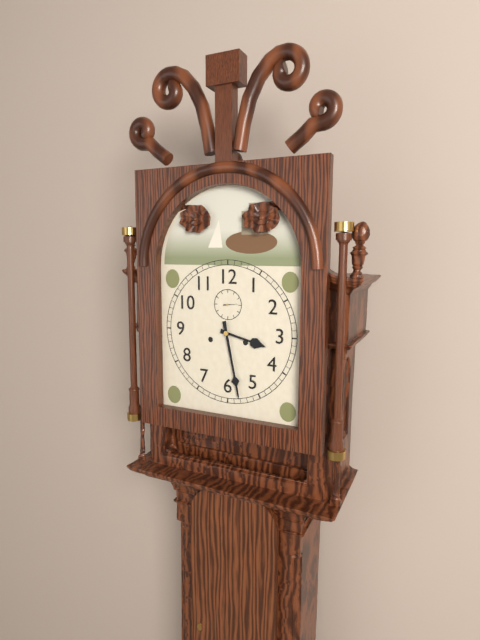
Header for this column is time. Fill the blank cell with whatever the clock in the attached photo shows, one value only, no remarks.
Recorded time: 3:28
